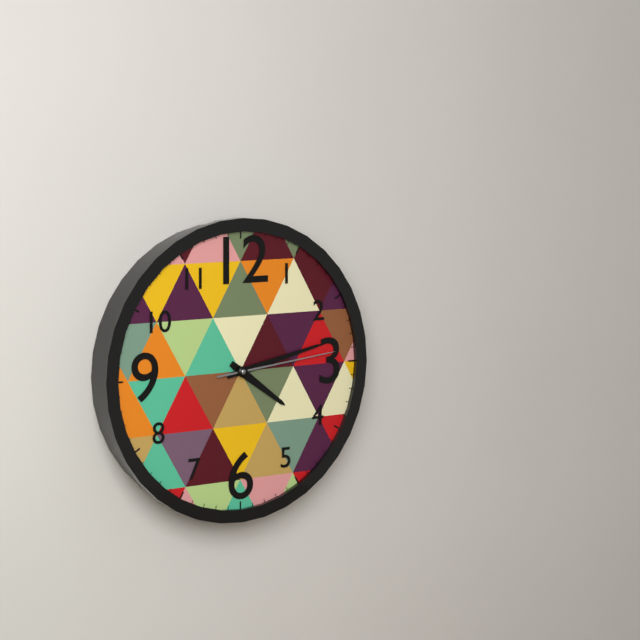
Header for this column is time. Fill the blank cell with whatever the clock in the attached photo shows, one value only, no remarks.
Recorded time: 4:13:14
